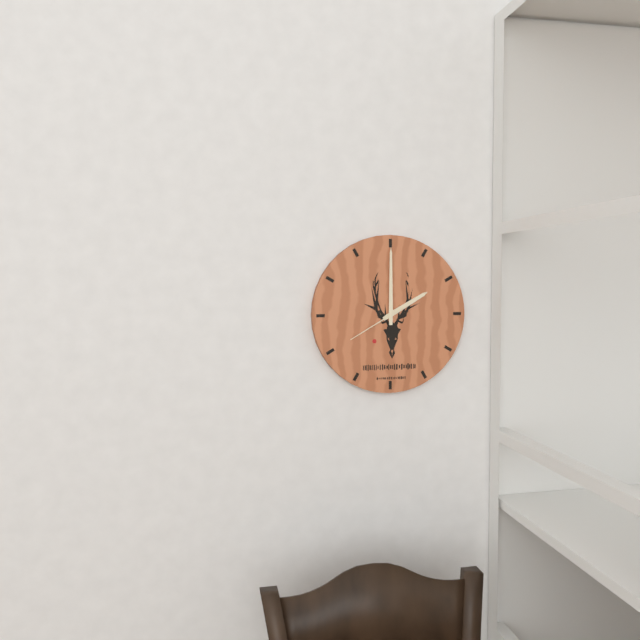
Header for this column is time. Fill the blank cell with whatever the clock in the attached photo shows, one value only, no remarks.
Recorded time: 2:00:40
